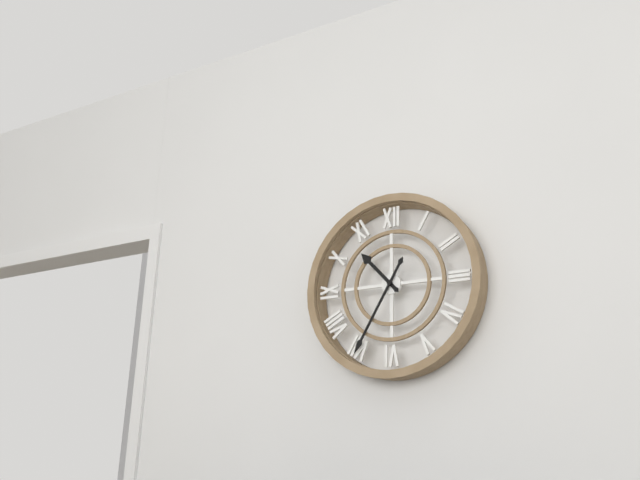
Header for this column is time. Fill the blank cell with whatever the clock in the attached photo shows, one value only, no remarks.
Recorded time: 10:35
